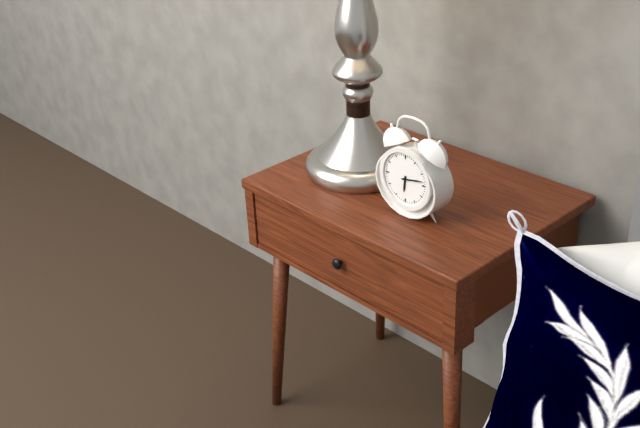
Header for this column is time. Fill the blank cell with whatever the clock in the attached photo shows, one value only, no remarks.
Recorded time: 6:13
